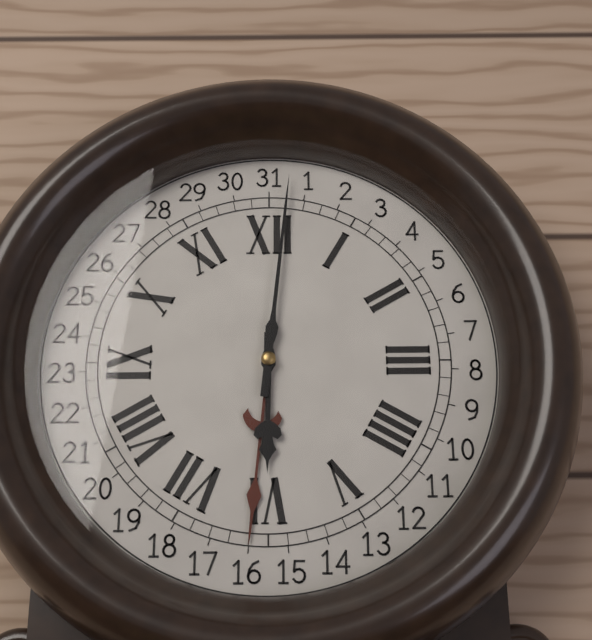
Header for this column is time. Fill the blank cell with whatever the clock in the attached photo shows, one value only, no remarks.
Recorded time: 6:01
